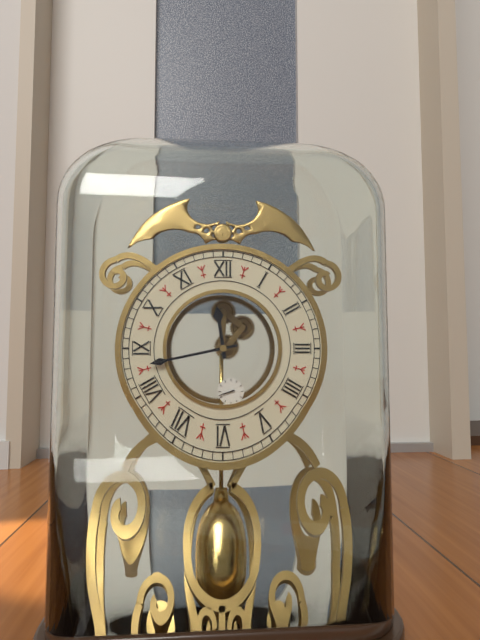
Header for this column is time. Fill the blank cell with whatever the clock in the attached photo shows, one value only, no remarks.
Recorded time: 11:43
